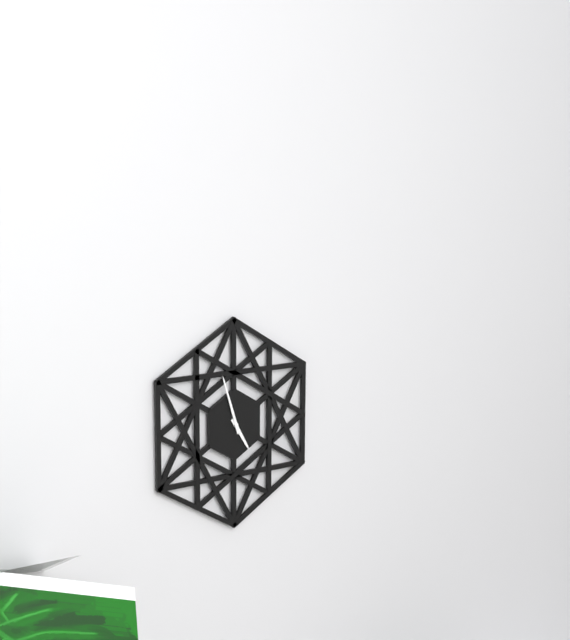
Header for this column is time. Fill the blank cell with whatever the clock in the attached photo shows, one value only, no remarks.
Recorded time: 4:57
